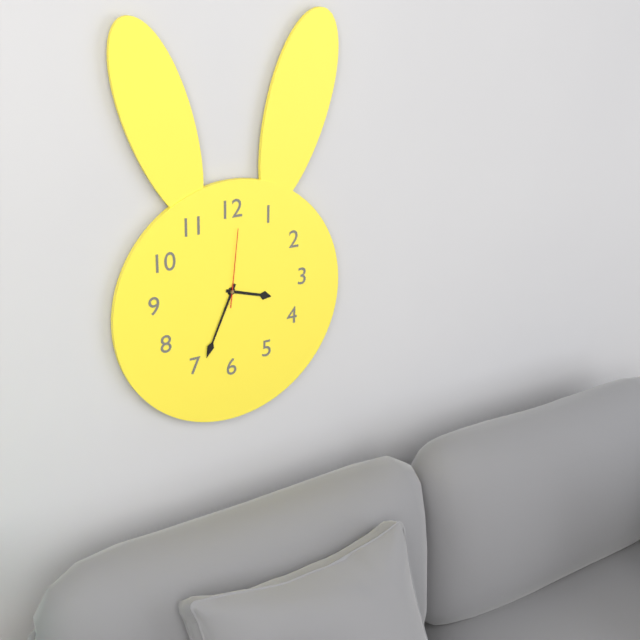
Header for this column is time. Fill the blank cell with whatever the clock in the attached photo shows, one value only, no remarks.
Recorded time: 3:34:01
